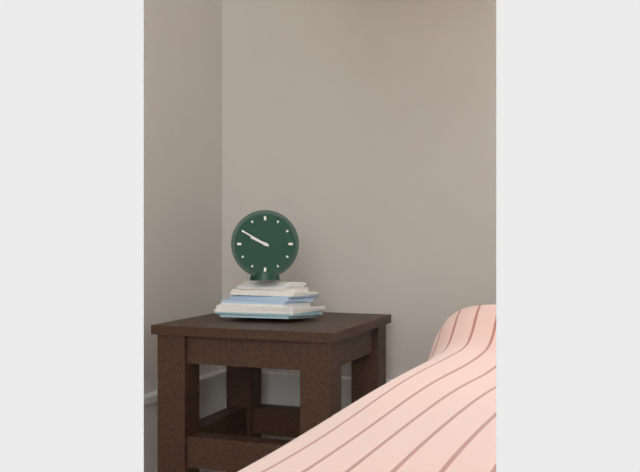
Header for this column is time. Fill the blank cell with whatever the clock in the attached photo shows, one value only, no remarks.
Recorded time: 9:50
